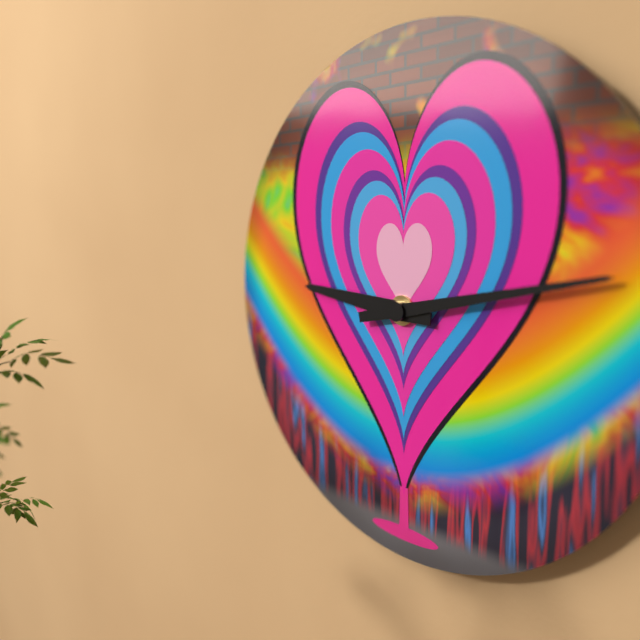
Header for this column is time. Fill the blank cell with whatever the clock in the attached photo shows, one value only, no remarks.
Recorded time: 9:13
